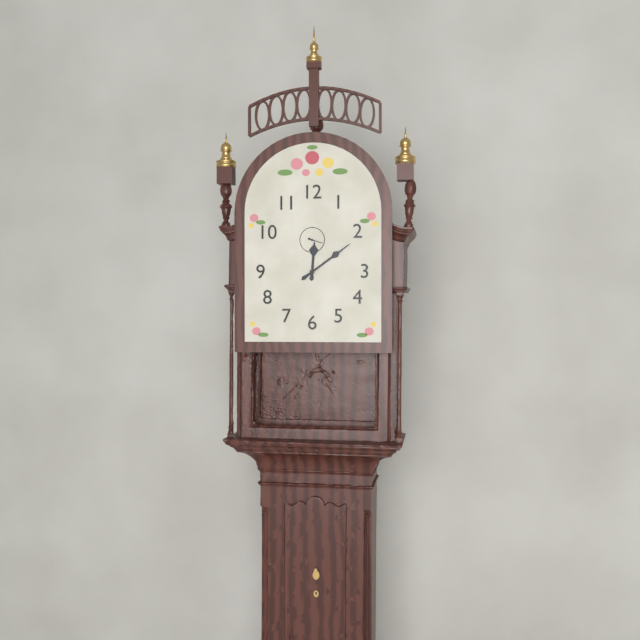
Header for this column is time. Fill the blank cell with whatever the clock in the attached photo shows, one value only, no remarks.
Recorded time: 12:09
